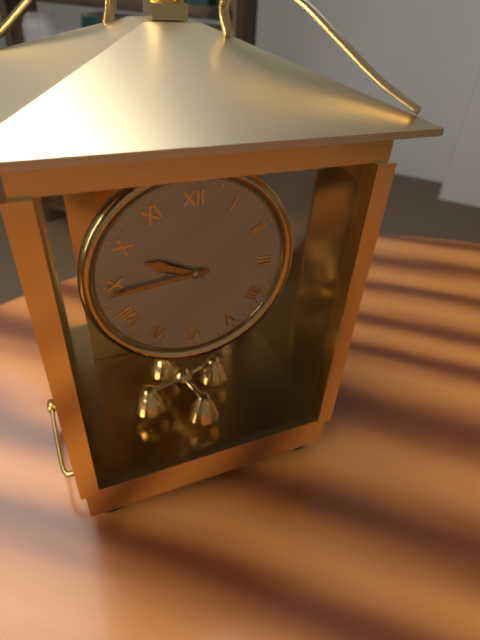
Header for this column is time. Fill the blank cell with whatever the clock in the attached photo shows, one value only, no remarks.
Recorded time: 9:44
